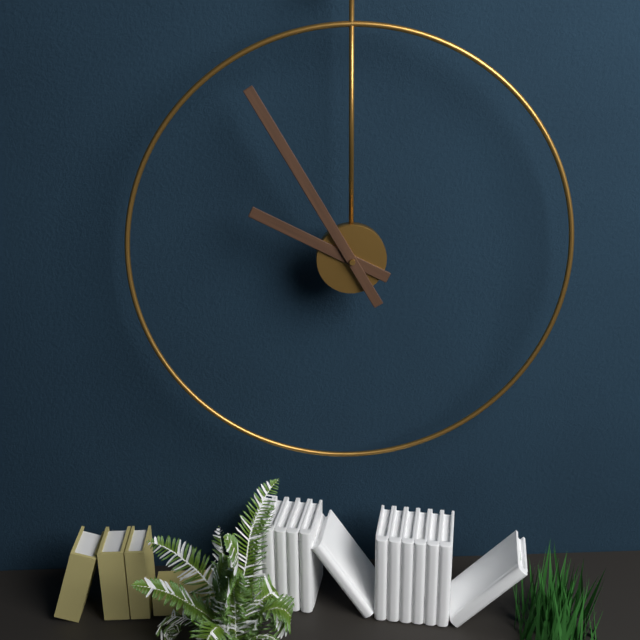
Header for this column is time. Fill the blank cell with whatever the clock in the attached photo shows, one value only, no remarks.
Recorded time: 9:55
